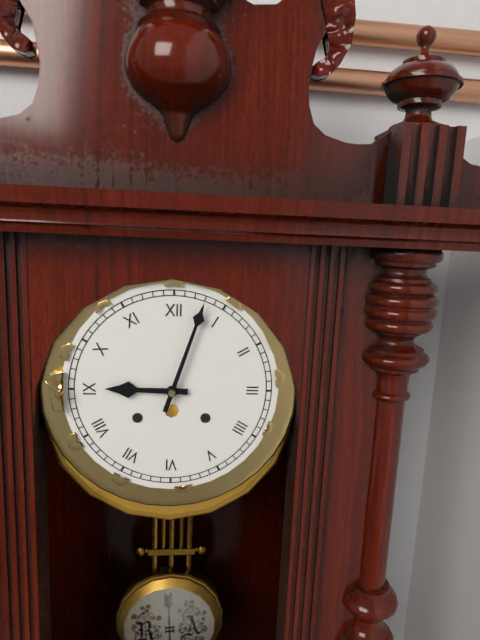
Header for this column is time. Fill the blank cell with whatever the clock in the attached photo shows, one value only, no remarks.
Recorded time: 9:03
